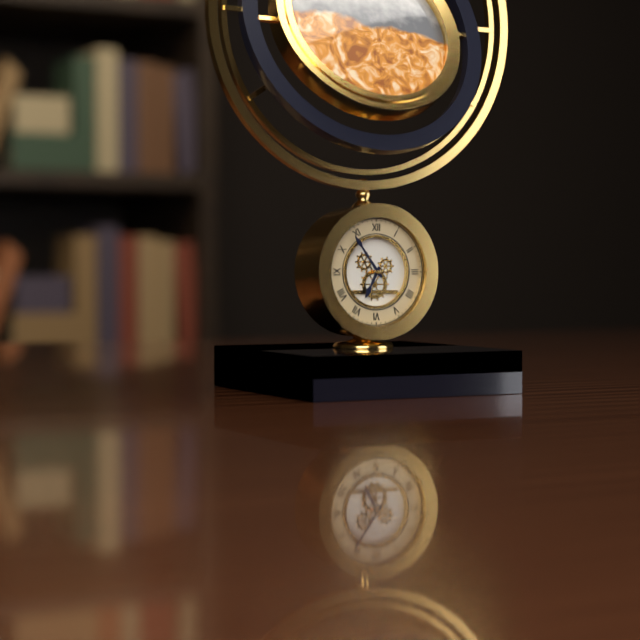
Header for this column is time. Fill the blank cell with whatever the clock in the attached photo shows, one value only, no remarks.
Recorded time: 6:54
